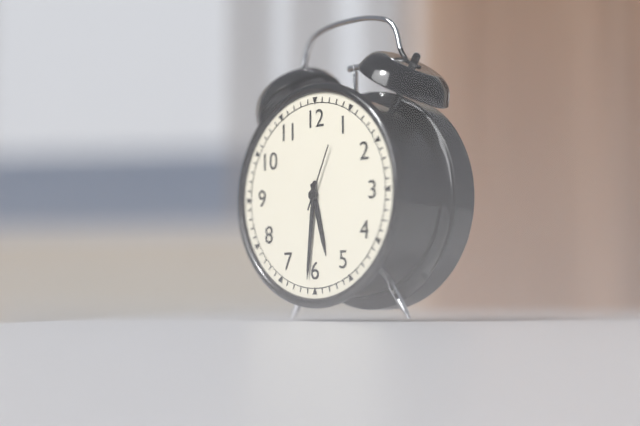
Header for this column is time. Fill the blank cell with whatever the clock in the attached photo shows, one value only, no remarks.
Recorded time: 5:31:04
